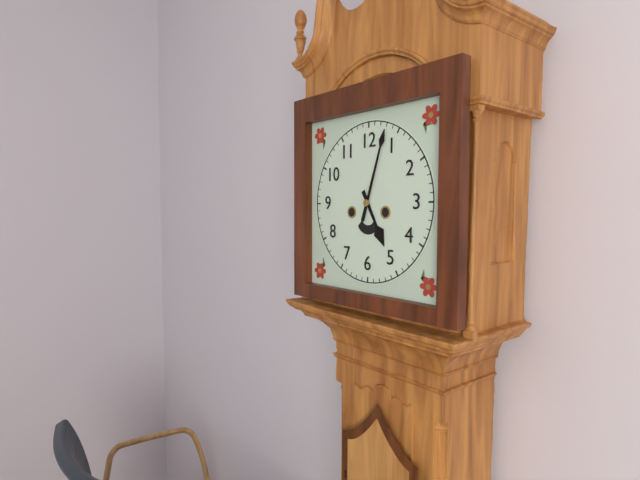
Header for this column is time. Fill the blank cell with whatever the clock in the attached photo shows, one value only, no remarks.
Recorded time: 5:03
